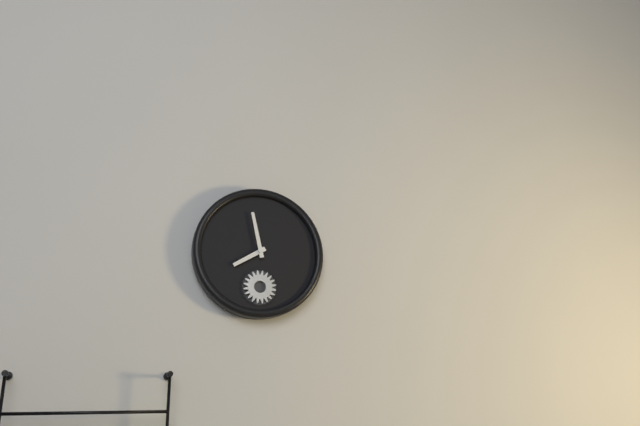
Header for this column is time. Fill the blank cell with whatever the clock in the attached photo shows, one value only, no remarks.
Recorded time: 7:58
